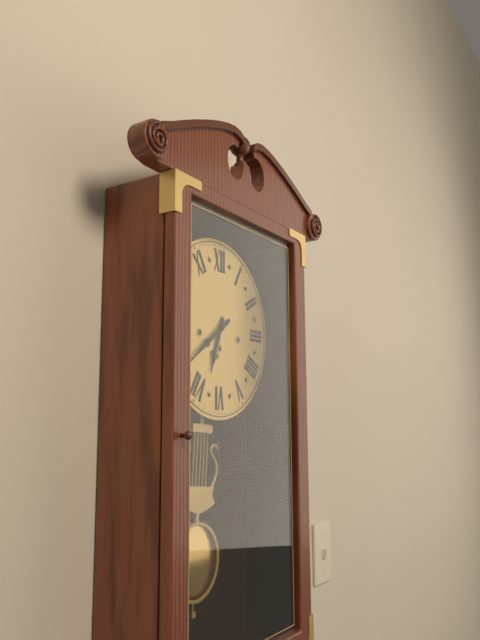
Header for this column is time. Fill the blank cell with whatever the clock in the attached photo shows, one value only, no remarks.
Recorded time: 6:39
